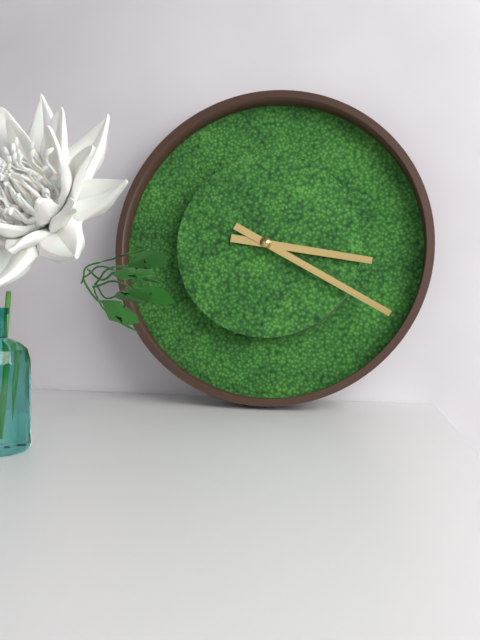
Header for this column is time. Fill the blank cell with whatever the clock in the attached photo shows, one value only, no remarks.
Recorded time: 3:20
